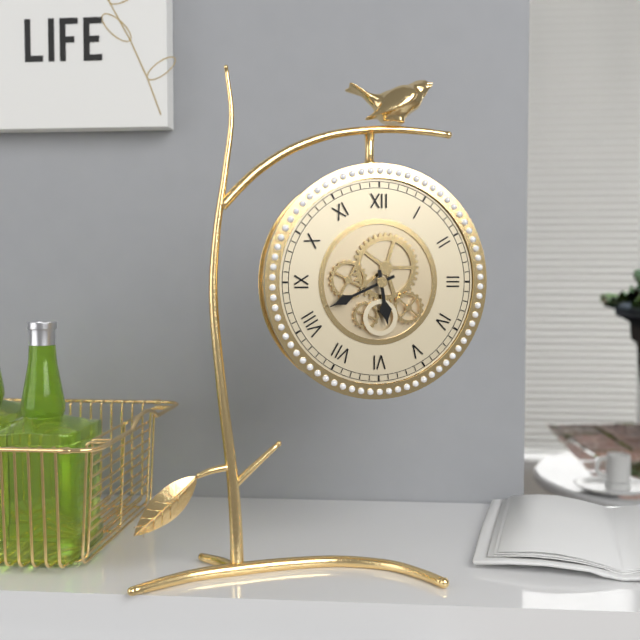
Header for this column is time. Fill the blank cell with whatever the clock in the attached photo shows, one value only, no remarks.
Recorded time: 5:41
